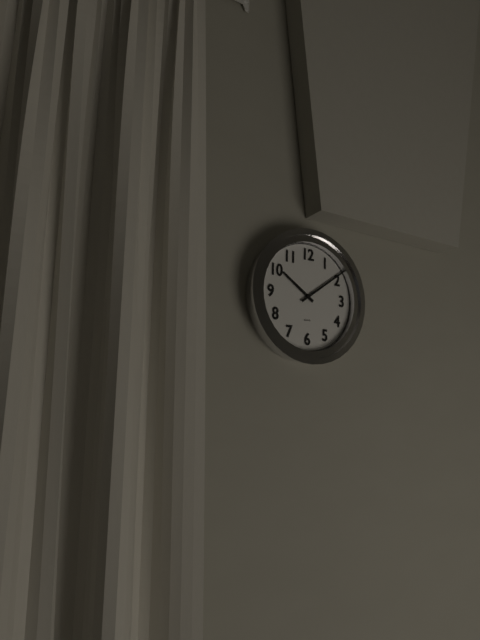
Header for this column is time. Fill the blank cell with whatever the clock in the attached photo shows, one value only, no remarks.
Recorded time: 10:09
